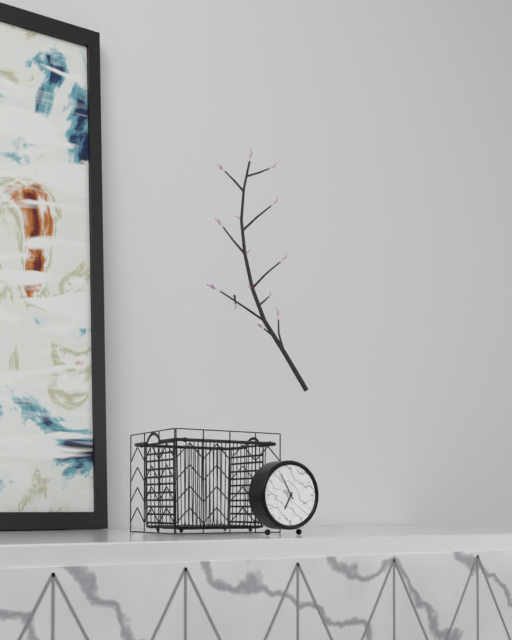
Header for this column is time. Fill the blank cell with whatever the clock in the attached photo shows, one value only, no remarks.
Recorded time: 6:55
